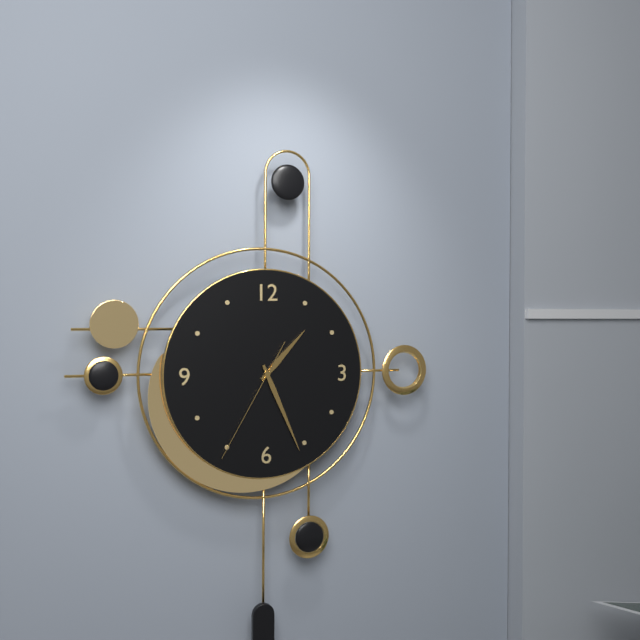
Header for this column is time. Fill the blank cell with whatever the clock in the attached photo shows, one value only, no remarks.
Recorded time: 1:26:35
